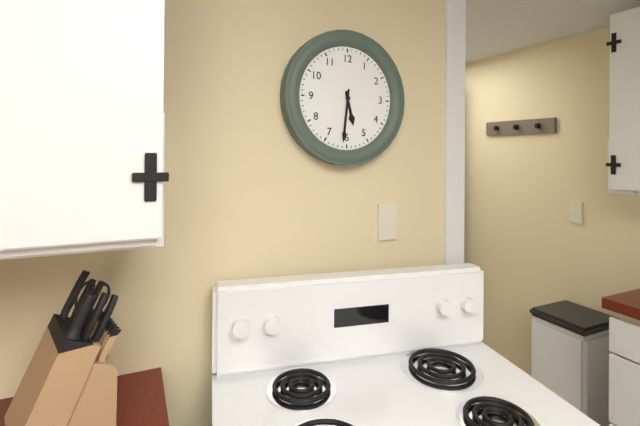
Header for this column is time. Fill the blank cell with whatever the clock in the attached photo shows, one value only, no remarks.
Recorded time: 5:31
